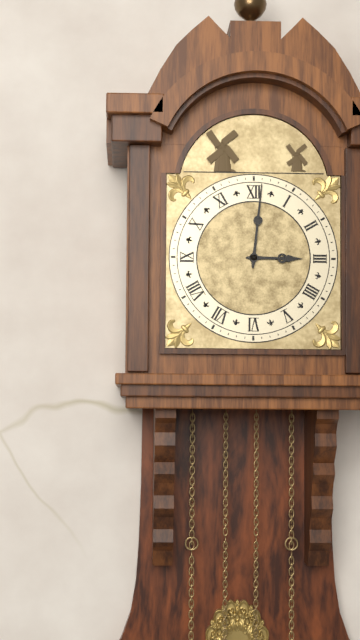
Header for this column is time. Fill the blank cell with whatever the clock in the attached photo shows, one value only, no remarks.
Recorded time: 3:01
